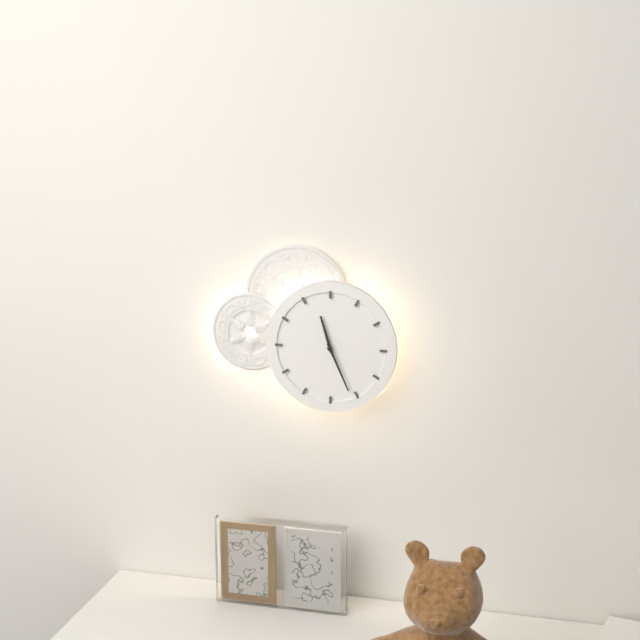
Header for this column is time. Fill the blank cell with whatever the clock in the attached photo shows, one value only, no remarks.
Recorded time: 11:26
